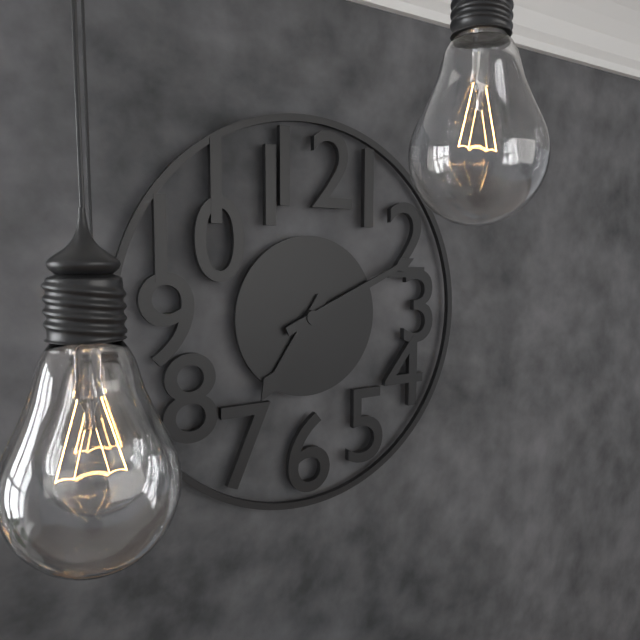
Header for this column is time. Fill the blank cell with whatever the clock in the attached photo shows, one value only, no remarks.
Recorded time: 7:11
